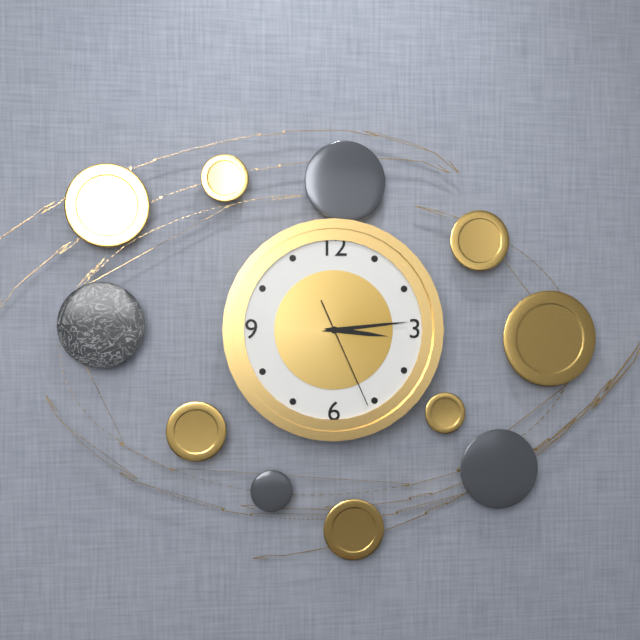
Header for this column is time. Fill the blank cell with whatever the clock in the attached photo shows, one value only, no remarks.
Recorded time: 3:14:26
